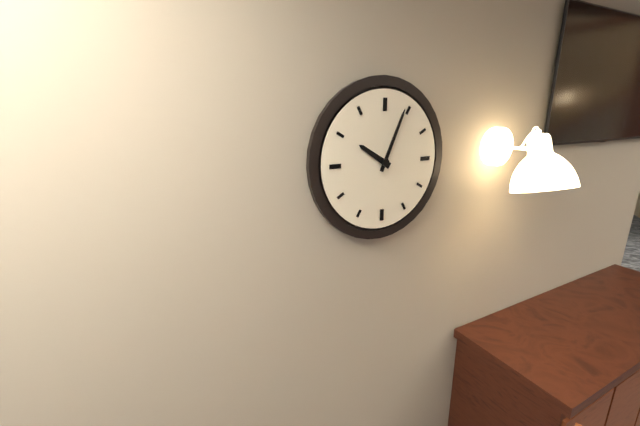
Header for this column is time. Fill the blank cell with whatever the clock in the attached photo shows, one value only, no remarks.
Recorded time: 10:04
